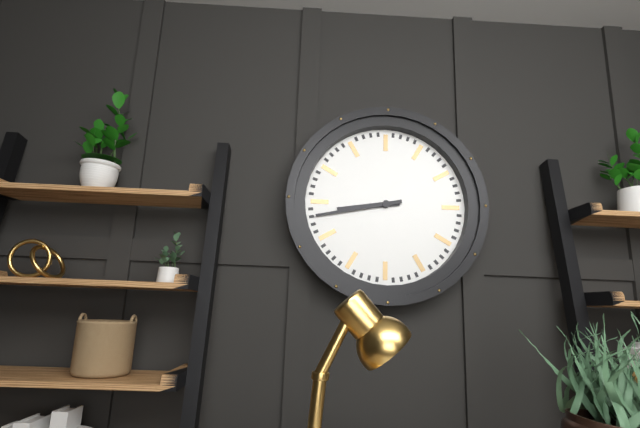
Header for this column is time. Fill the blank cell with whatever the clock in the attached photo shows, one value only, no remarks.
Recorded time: 8:43
